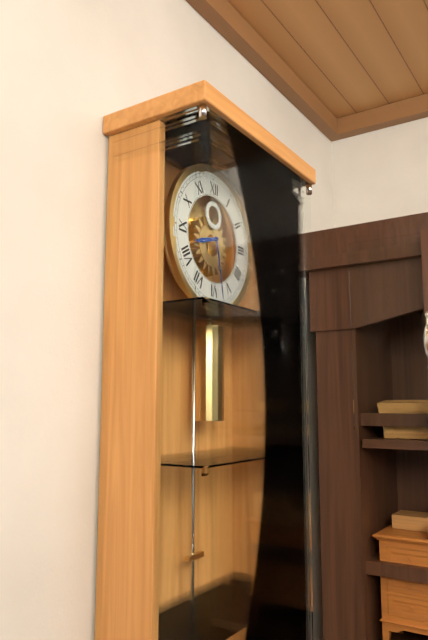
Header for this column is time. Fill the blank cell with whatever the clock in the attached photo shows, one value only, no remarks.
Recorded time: 8:28
